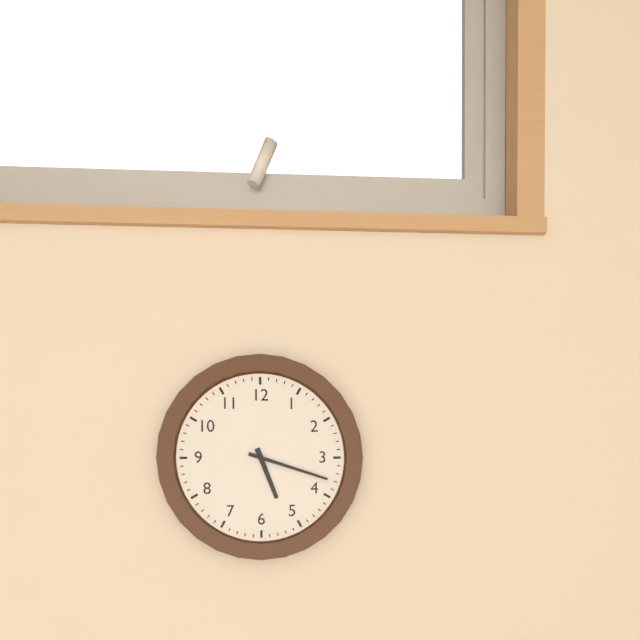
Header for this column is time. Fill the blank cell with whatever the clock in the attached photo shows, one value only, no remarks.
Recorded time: 5:18
